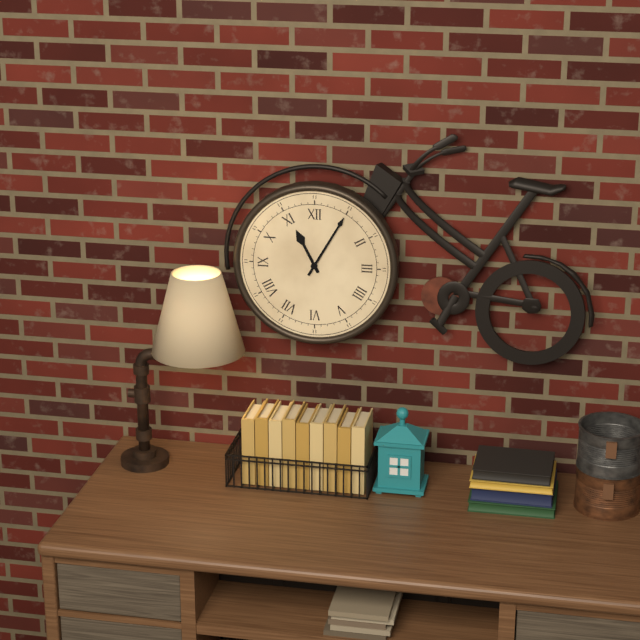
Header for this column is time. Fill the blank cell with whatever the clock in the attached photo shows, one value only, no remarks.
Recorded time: 11:05
